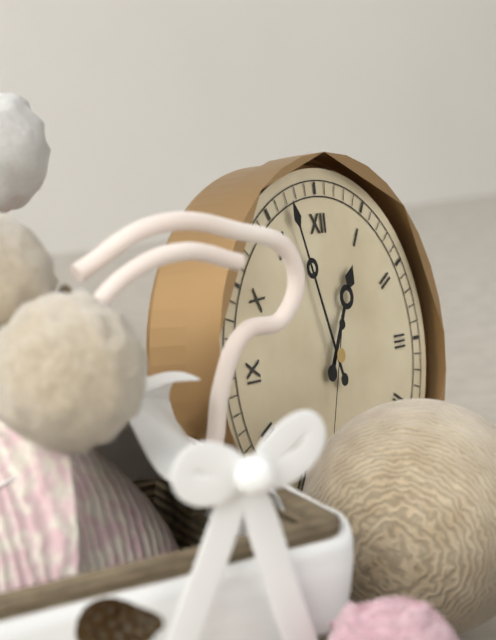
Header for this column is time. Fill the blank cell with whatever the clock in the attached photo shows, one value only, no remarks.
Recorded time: 12:57
